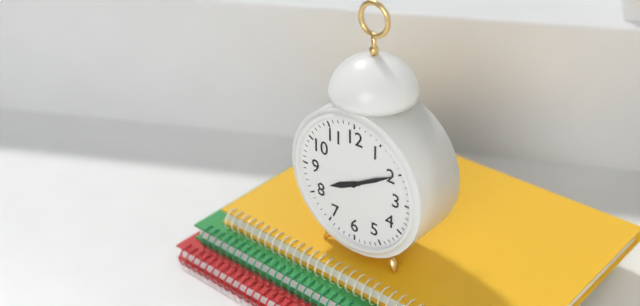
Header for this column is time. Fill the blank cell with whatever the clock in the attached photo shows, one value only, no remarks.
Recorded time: 8:10
